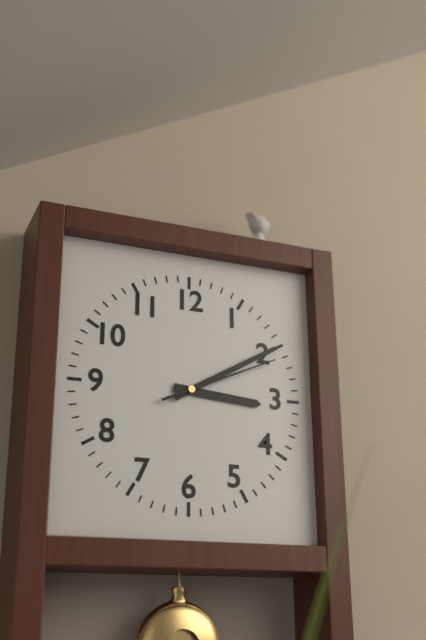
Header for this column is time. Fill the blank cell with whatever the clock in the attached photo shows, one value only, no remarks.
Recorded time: 3:10:11
